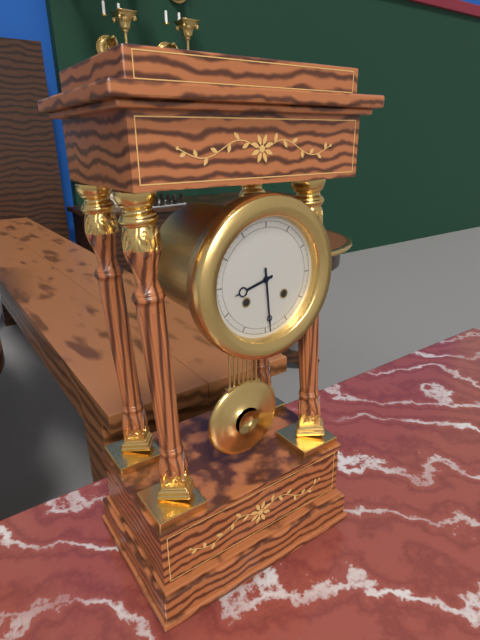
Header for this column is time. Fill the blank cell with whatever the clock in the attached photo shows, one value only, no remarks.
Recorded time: 8:29
